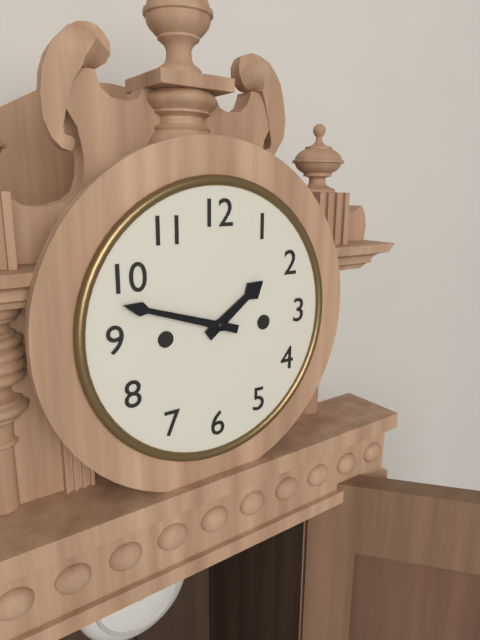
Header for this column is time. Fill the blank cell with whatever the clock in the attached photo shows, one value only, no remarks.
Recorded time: 1:48
